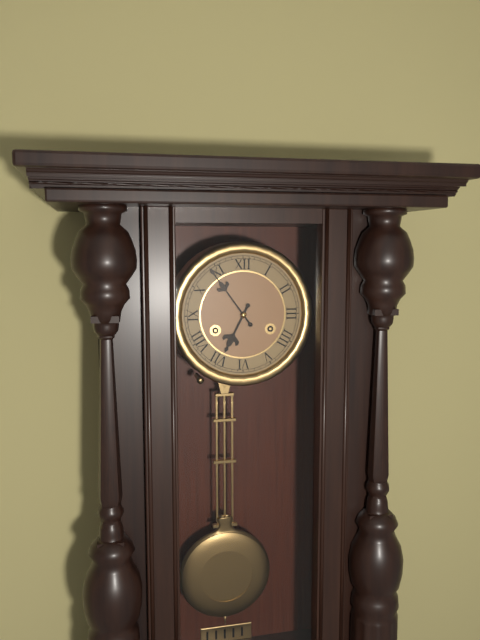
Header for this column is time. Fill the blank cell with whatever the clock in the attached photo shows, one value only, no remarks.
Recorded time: 6:54
